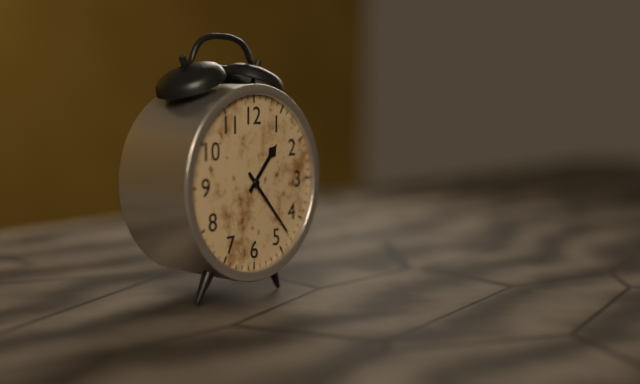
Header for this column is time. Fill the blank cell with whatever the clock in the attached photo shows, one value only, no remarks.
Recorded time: 1:23
